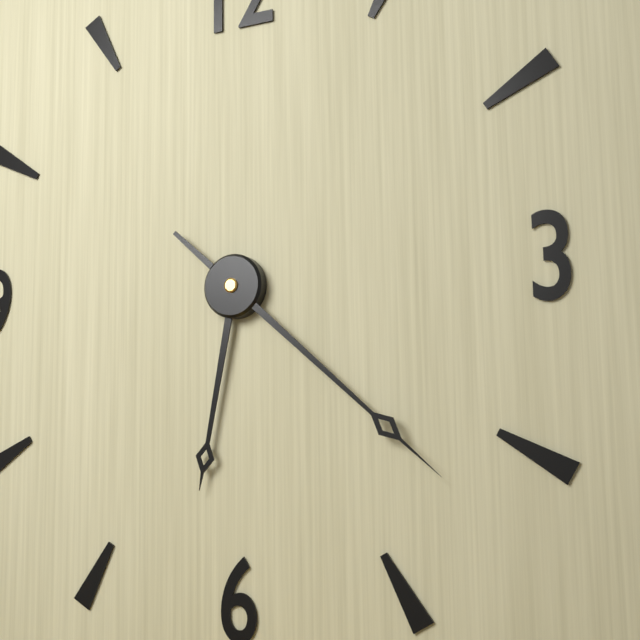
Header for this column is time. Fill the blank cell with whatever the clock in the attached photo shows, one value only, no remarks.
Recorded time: 6:22
